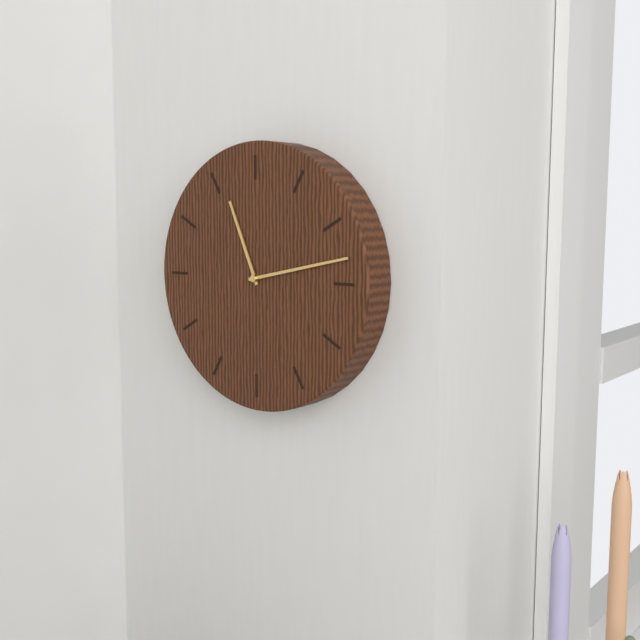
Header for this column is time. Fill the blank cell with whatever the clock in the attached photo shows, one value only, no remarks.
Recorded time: 11:13
